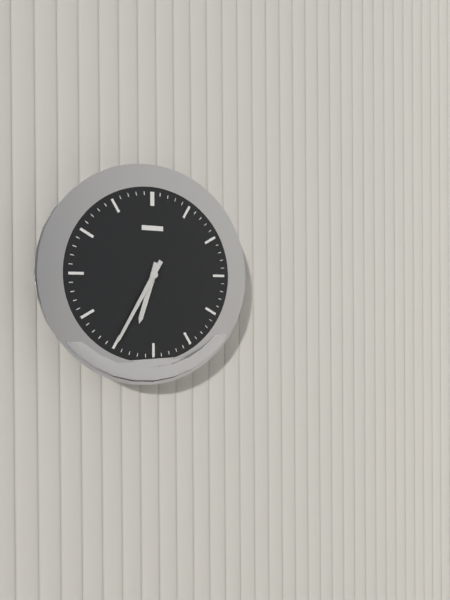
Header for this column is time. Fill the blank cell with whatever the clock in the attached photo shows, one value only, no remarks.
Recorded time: 6:35
